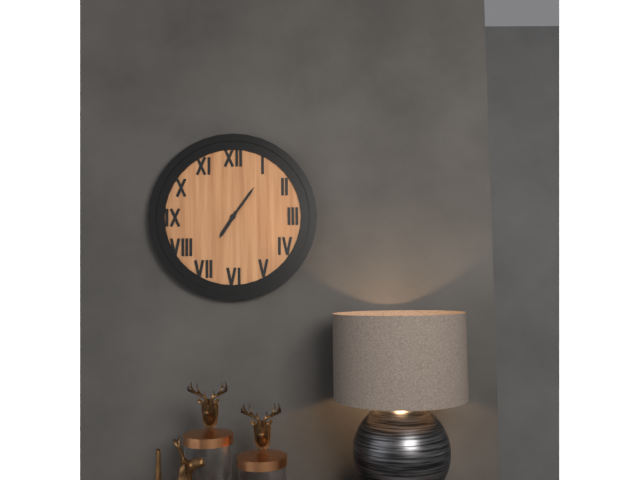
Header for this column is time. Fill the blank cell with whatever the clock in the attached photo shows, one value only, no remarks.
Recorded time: 7:06
